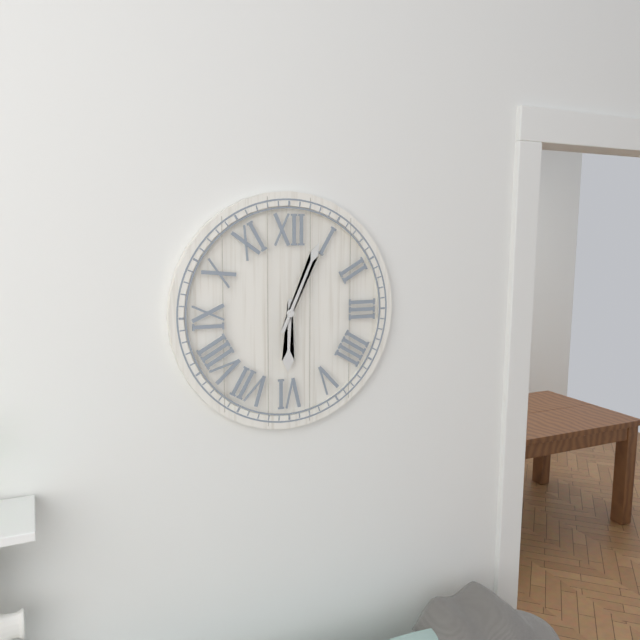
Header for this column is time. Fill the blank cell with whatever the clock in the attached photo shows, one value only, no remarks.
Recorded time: 6:04
